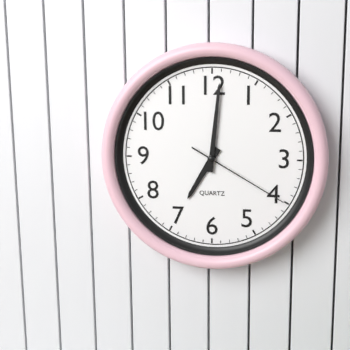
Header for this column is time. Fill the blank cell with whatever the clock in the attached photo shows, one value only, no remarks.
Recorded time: 7:01:20
